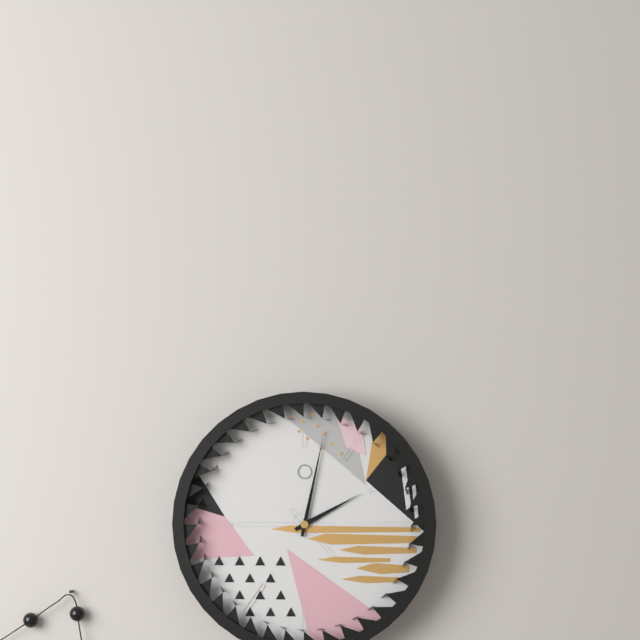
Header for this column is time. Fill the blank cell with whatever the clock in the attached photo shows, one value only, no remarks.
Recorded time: 2:02
